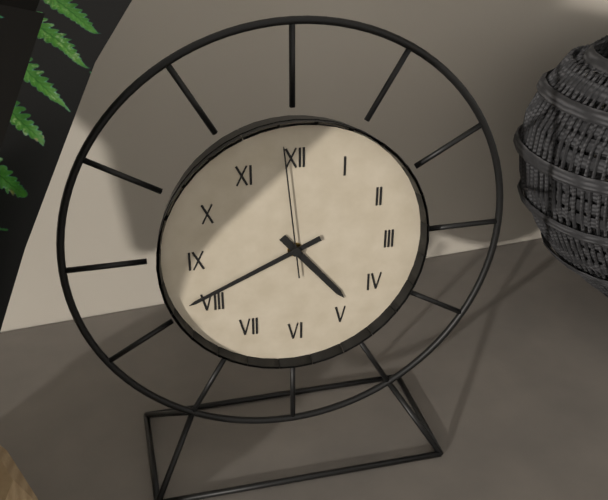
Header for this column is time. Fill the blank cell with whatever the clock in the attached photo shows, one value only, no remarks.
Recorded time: 4:41:59
